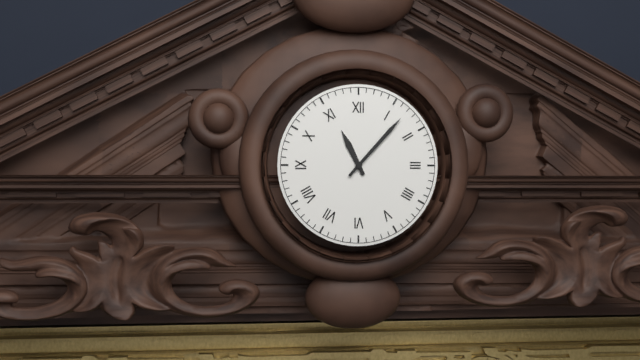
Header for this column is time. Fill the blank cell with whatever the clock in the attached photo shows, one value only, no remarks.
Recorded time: 11:07
